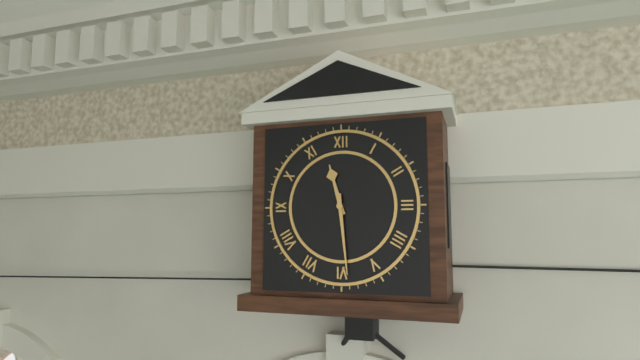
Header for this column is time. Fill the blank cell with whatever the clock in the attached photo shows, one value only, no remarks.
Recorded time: 11:29
